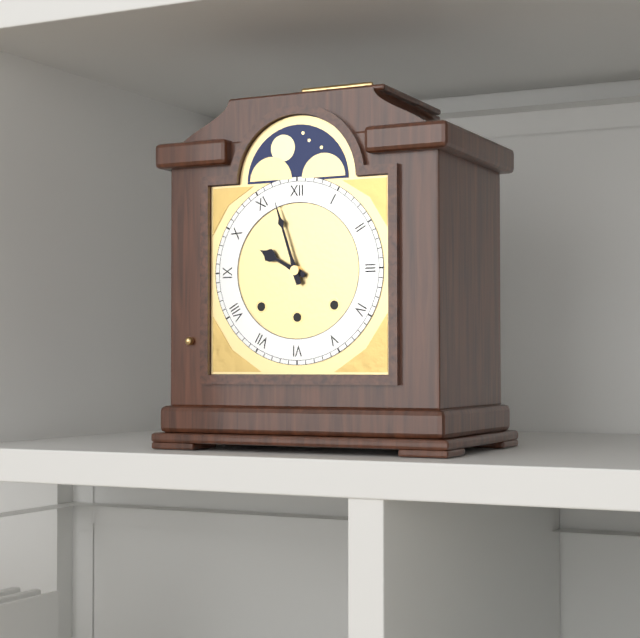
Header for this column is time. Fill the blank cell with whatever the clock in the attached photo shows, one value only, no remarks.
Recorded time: 9:57
